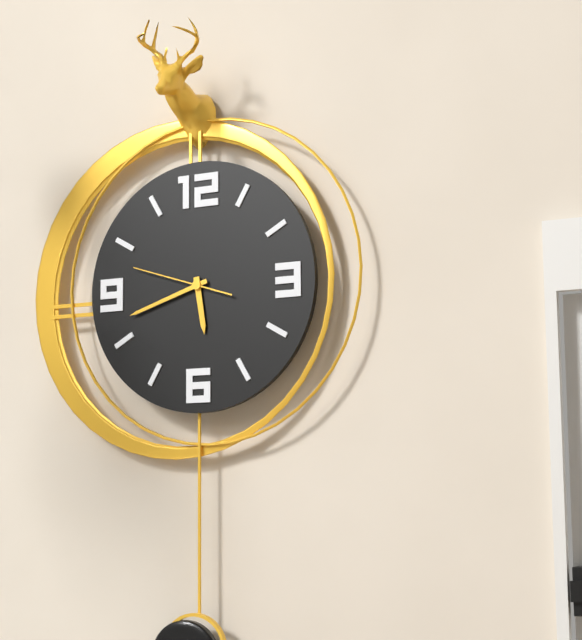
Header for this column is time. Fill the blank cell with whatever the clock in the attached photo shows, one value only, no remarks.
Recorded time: 5:42:48
